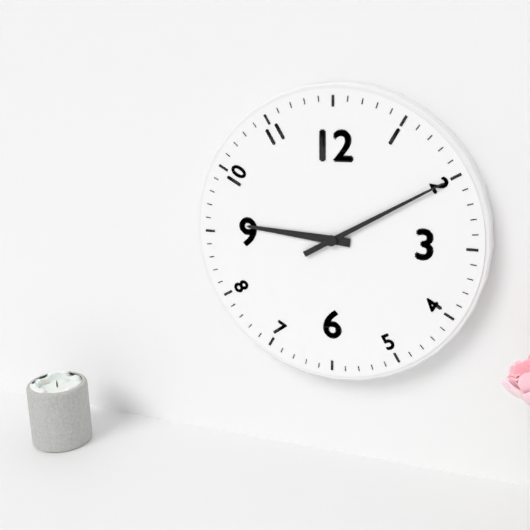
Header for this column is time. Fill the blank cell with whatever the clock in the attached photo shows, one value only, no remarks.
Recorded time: 9:10
